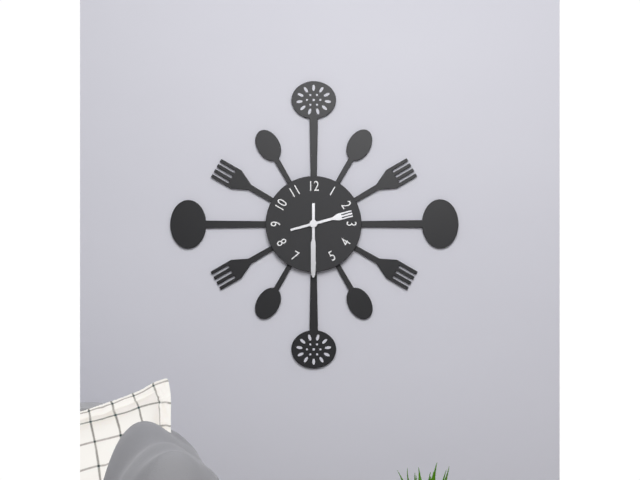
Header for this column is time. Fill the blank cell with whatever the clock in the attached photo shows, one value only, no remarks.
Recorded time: 2:30
